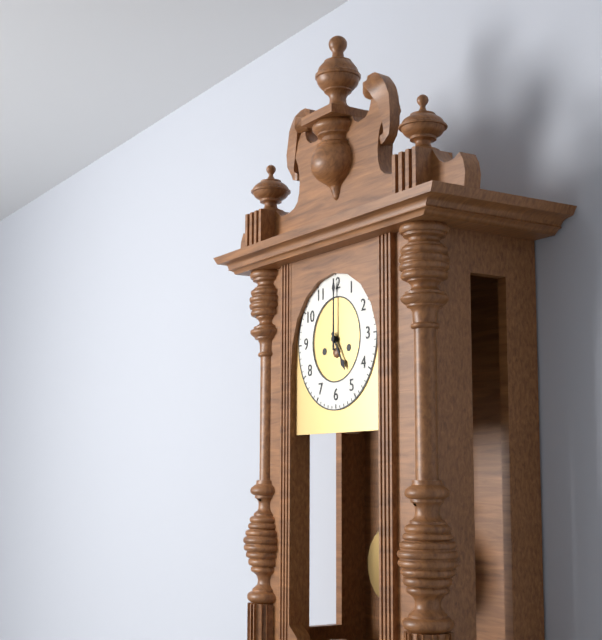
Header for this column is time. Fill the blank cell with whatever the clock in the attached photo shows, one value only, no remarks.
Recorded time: 5:00
